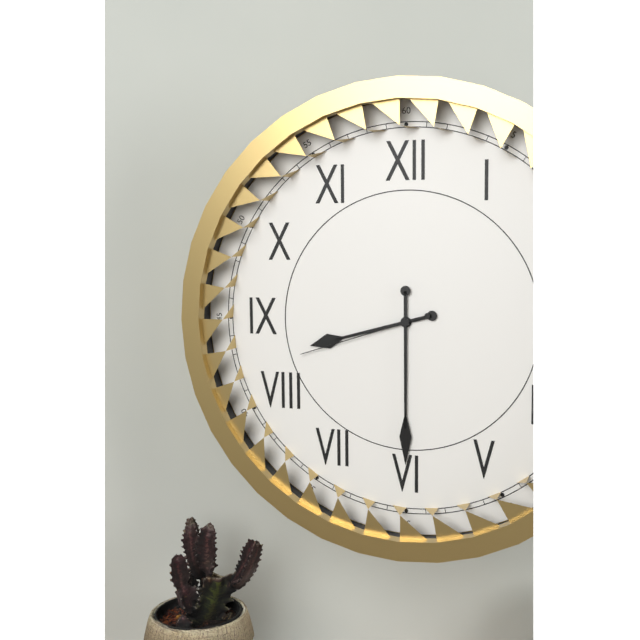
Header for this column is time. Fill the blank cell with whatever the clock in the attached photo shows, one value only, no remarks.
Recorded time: 8:30:42
